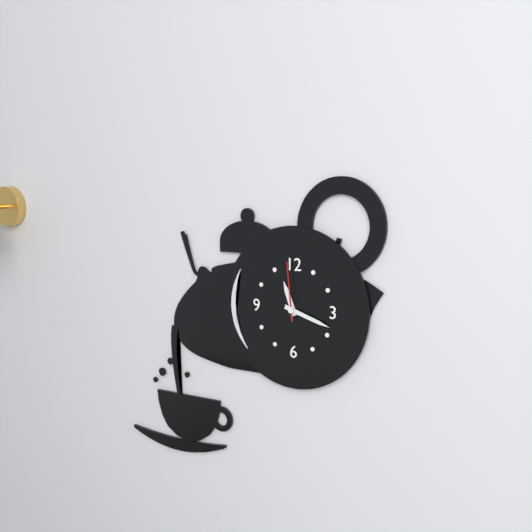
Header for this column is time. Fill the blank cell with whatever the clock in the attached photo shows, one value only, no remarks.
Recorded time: 11:18:59
